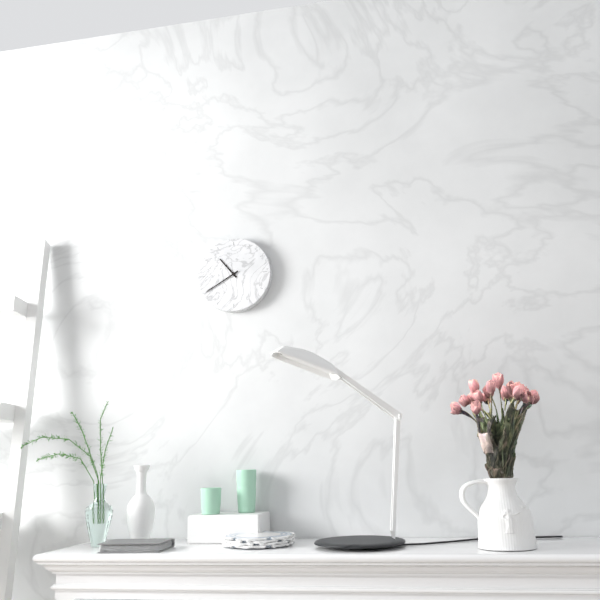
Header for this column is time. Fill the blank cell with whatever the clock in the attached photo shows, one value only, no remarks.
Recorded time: 10:40
